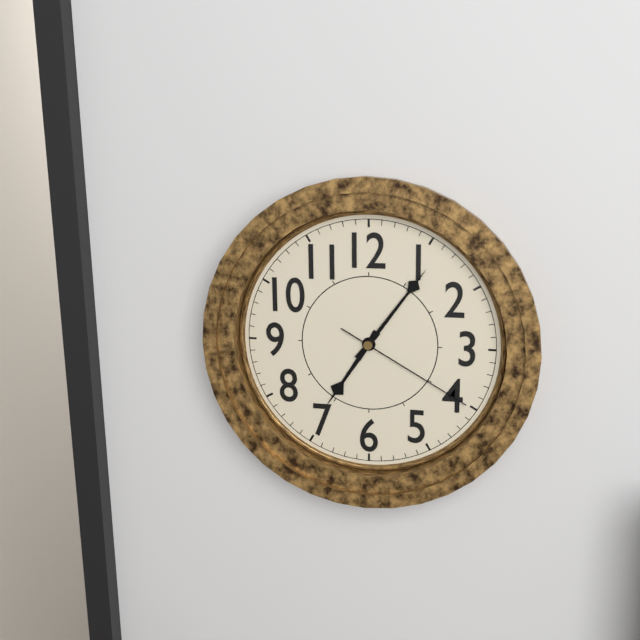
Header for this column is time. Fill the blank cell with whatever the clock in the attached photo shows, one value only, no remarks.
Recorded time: 7:06:20
